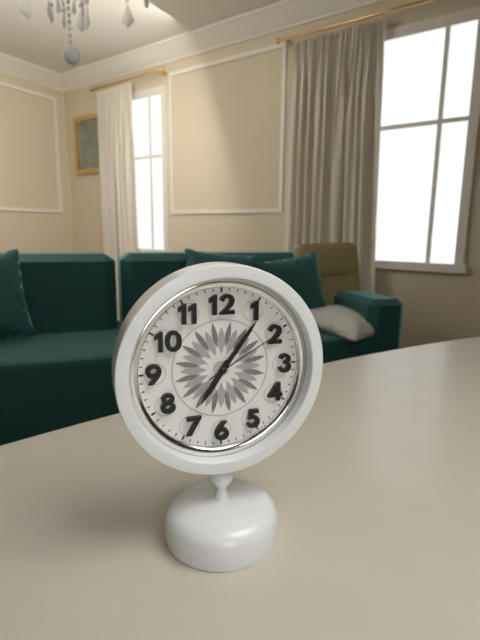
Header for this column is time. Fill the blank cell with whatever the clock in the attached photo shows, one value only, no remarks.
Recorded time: 7:06:10
